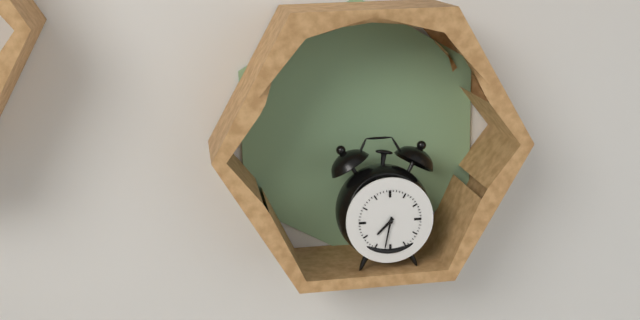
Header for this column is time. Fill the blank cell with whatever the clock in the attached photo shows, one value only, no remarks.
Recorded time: 7:32
